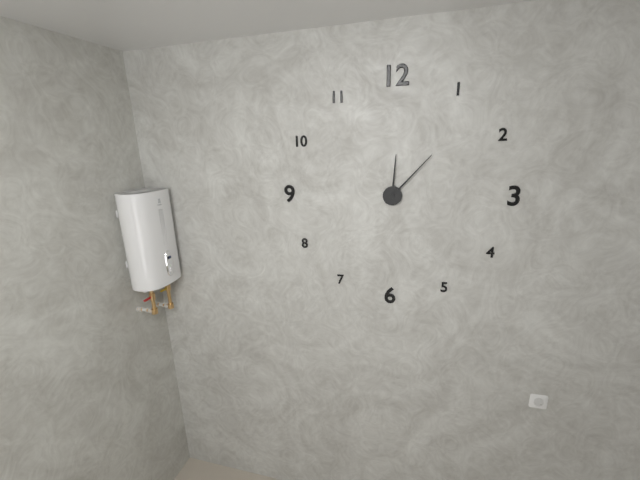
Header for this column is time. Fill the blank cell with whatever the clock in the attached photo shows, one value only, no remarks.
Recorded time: 12:07
